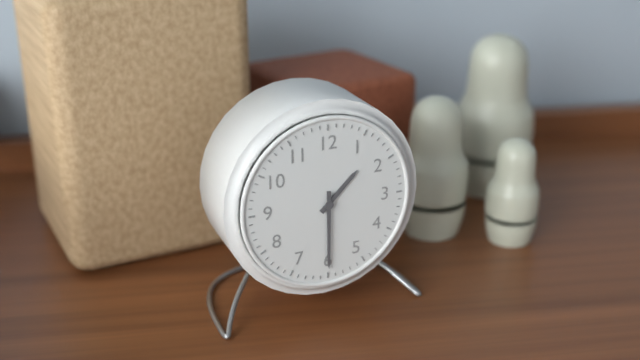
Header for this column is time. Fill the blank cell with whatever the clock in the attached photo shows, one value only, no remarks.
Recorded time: 1:30
